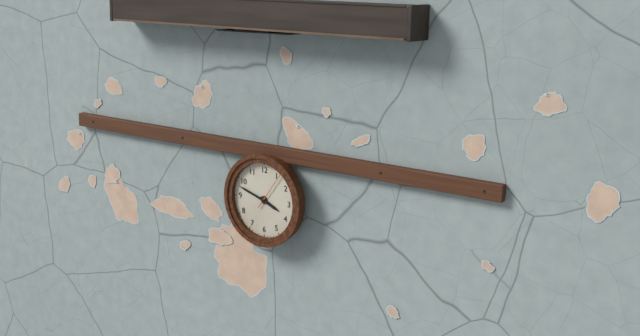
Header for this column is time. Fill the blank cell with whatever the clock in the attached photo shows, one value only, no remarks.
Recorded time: 3:48
